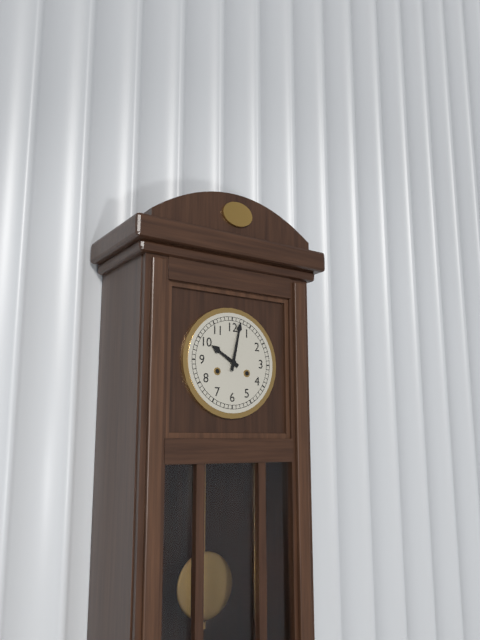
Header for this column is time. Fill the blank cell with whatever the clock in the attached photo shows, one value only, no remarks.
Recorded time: 10:02
